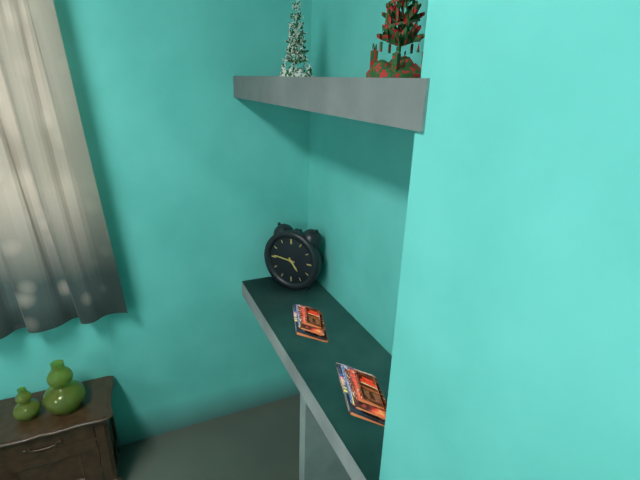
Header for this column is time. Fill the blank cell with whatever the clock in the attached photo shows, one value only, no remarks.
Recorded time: 4:46
